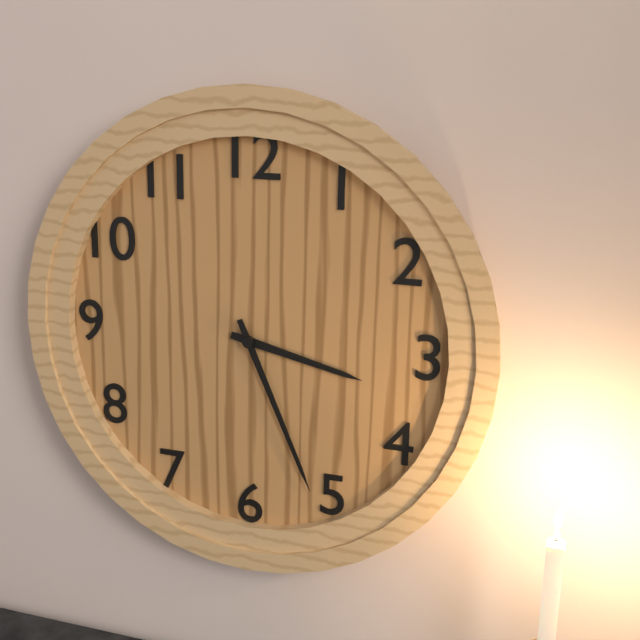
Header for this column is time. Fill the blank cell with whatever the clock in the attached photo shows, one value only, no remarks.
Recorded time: 3:26
